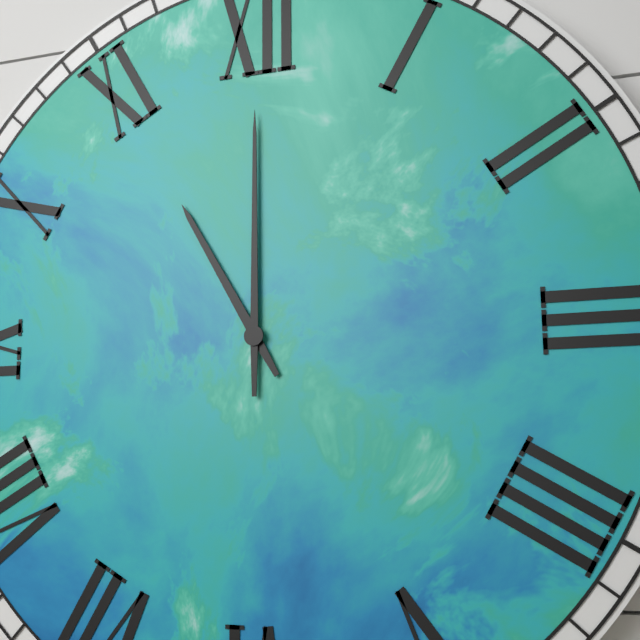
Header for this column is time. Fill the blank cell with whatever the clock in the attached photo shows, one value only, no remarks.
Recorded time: 11:00
